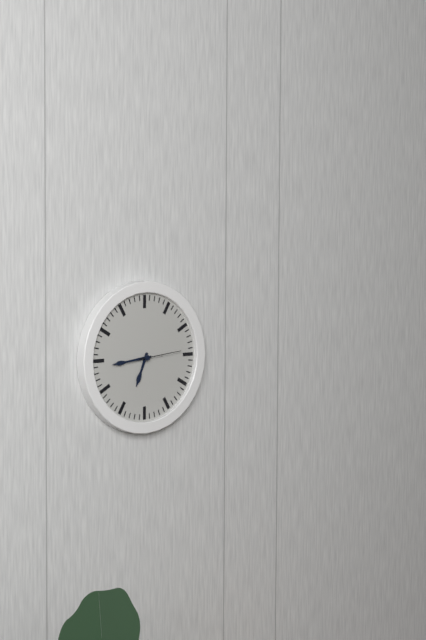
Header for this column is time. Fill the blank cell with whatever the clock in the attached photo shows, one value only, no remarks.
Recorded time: 6:44
